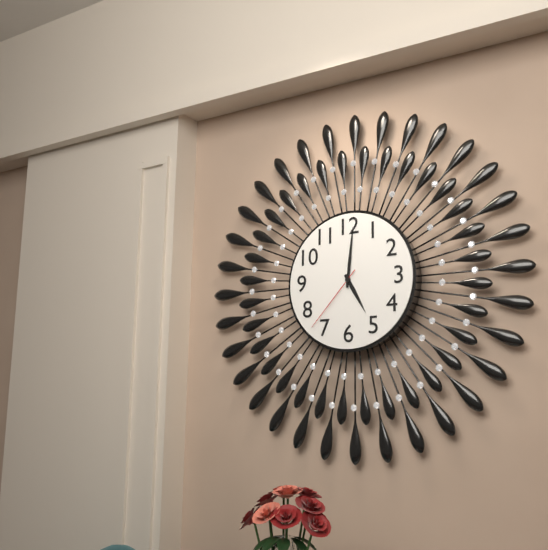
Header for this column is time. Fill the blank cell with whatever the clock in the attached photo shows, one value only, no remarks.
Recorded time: 5:01:37
